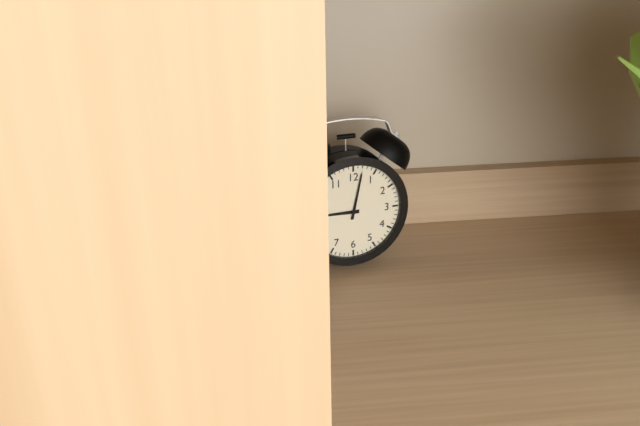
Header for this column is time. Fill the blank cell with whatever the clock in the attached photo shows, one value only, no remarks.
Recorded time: 9:02
